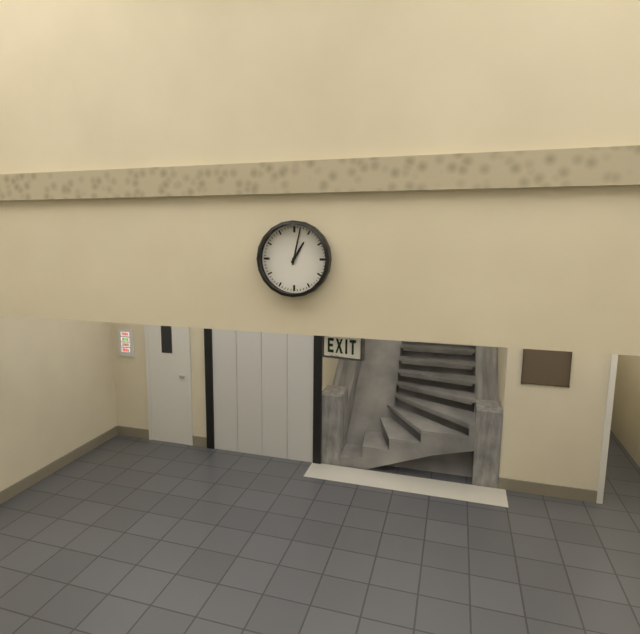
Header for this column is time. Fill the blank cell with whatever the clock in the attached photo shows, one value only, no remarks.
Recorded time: 1:02
